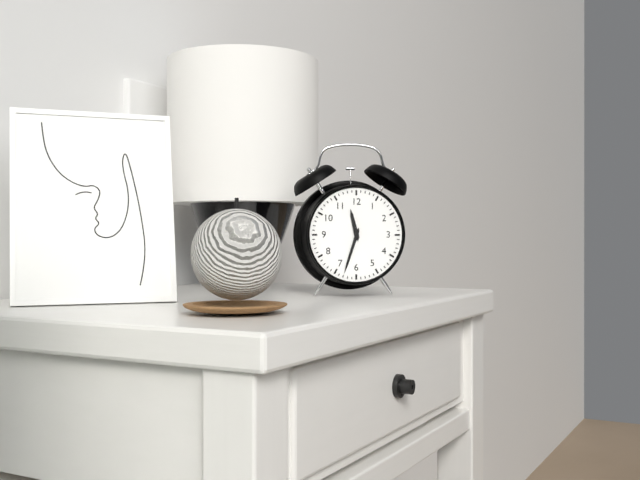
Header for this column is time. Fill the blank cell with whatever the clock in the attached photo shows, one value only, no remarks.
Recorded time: 11:33
